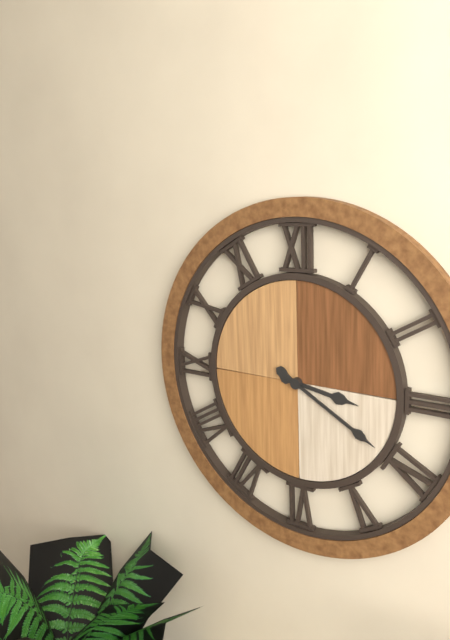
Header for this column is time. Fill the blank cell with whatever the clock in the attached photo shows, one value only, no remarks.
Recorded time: 3:20
